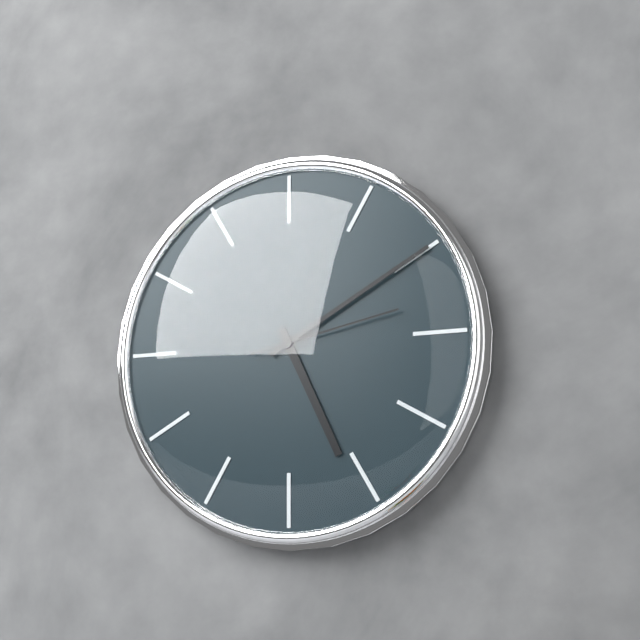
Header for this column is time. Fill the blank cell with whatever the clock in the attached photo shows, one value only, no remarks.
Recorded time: 5:10:13
